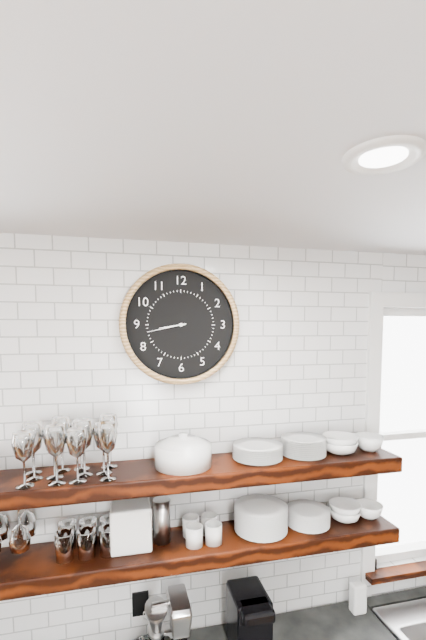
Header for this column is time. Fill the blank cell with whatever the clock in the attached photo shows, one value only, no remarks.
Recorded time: 8:43
